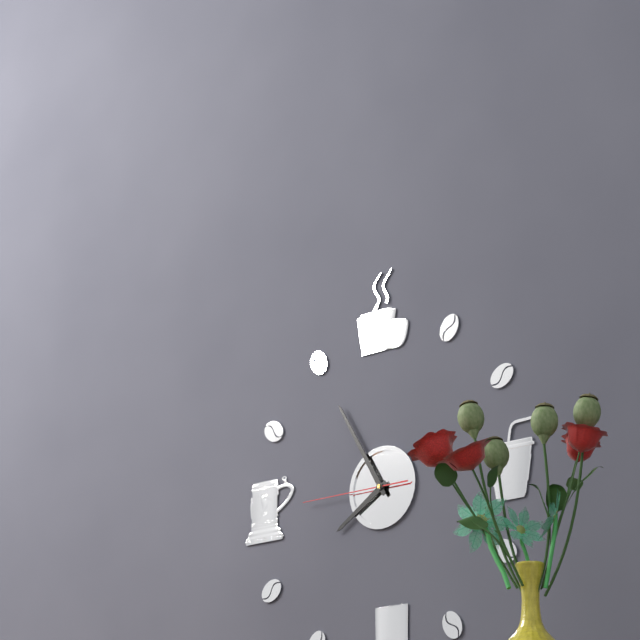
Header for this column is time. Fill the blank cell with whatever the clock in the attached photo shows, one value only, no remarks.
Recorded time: 7:55:45
